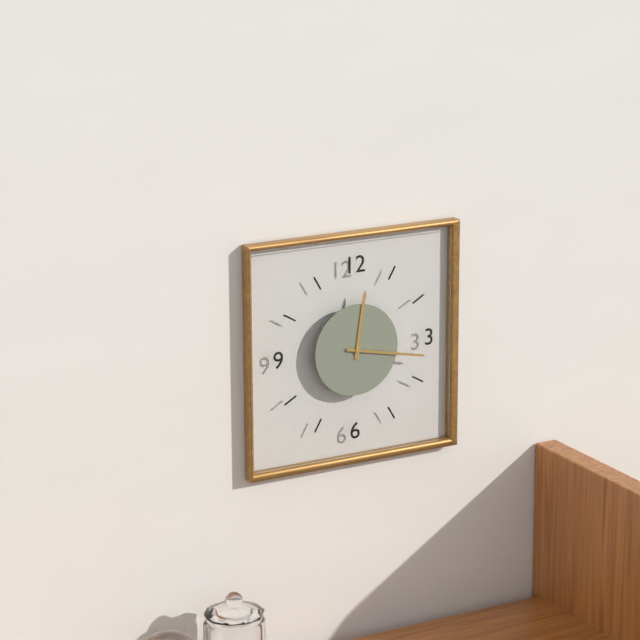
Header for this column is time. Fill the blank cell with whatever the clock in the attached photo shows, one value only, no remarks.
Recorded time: 12:17
